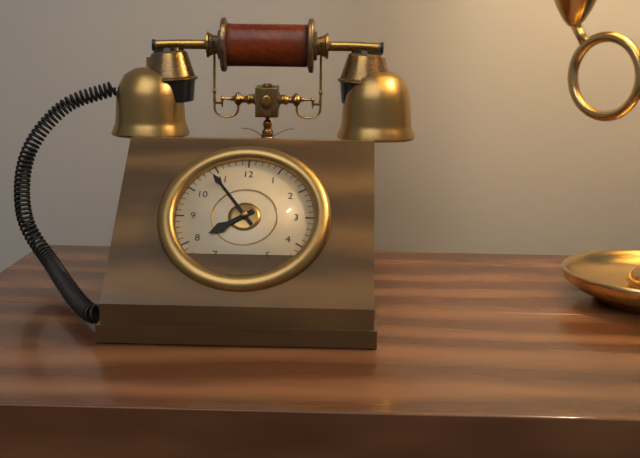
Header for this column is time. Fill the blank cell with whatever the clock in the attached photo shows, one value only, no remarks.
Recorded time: 7:54
